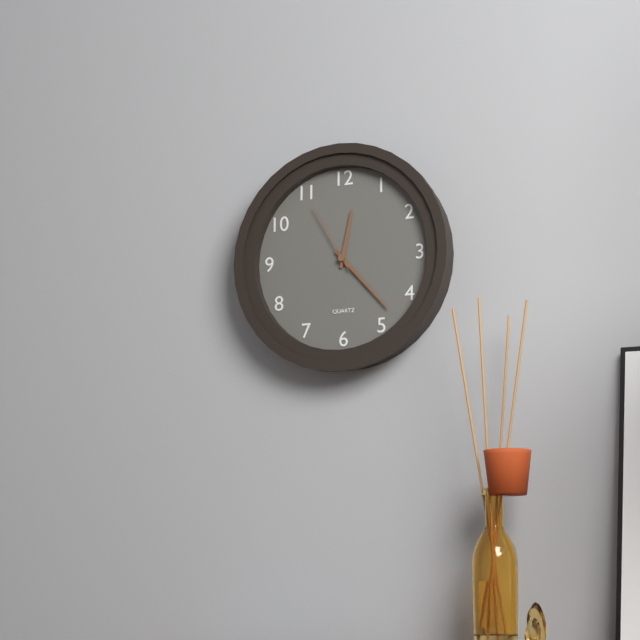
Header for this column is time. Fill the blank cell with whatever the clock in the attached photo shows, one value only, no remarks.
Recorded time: 12:23:55
